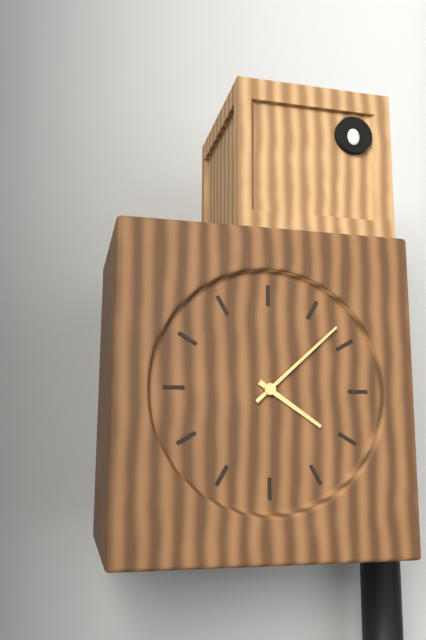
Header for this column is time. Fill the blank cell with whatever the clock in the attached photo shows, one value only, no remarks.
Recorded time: 4:08
